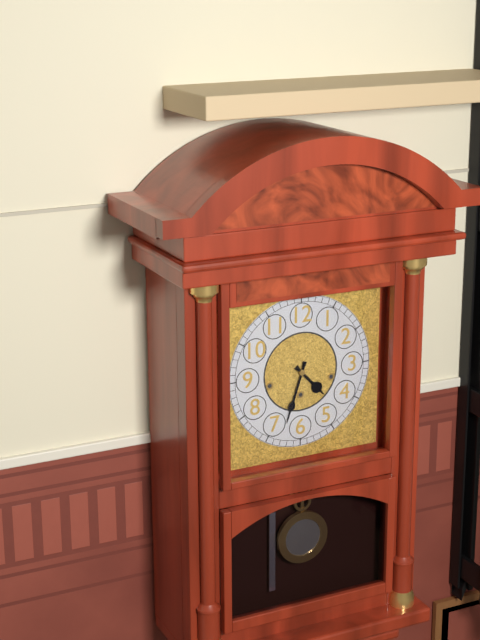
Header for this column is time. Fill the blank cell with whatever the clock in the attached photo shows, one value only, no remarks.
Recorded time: 4:33
